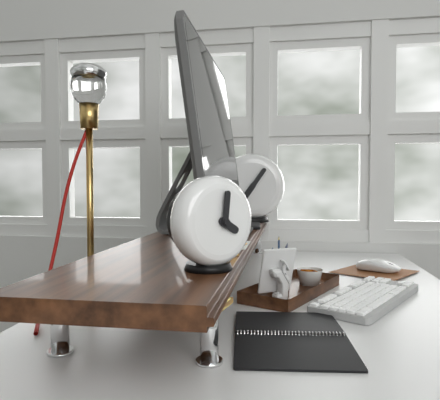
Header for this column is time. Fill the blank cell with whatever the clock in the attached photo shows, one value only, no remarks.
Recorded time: 4:01
